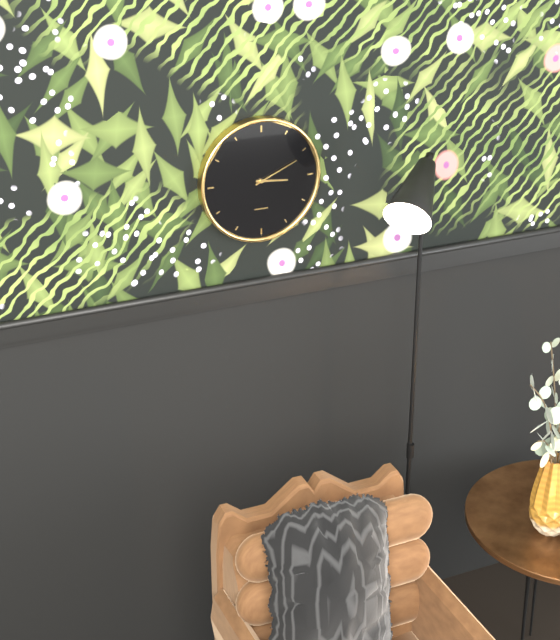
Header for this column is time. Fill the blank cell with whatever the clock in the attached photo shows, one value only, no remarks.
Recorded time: 3:11
